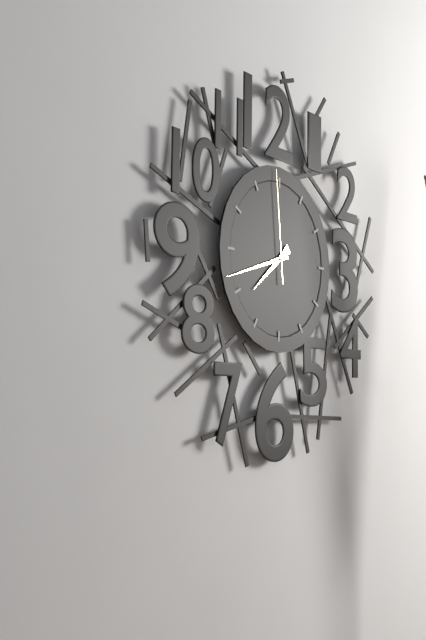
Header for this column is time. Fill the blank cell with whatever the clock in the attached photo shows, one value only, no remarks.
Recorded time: 7:42:59
